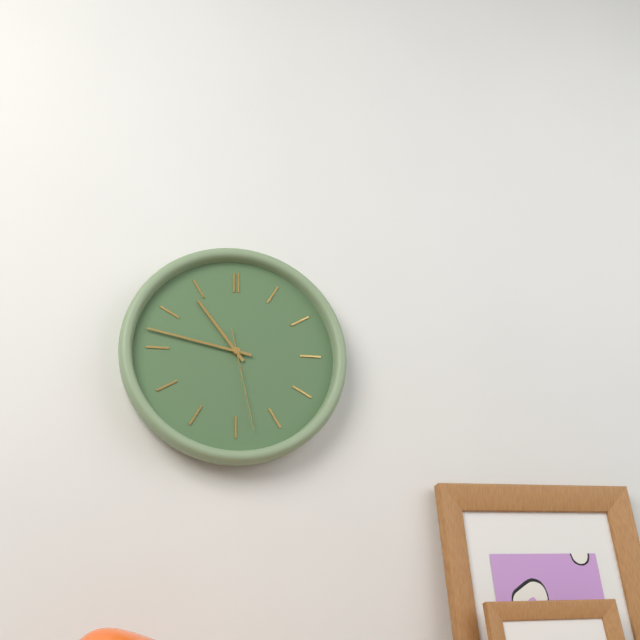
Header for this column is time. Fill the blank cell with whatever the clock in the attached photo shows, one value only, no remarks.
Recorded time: 10:47:28
